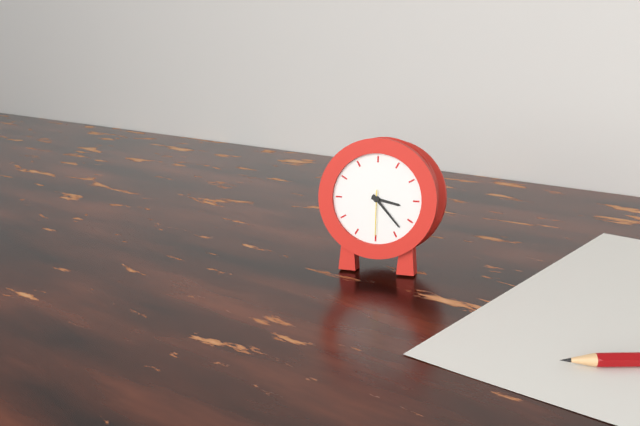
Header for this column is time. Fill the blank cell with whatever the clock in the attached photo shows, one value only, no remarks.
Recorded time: 3:23
